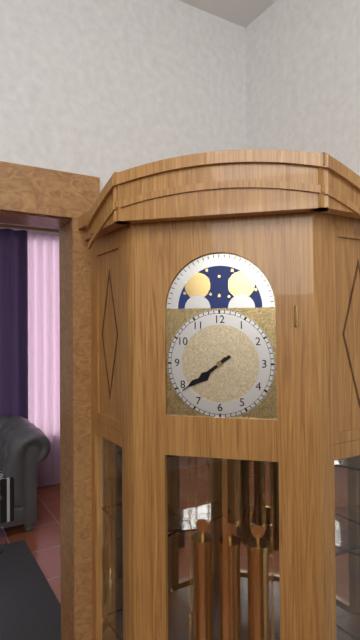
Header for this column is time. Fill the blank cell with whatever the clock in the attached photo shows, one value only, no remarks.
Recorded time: 7:39
